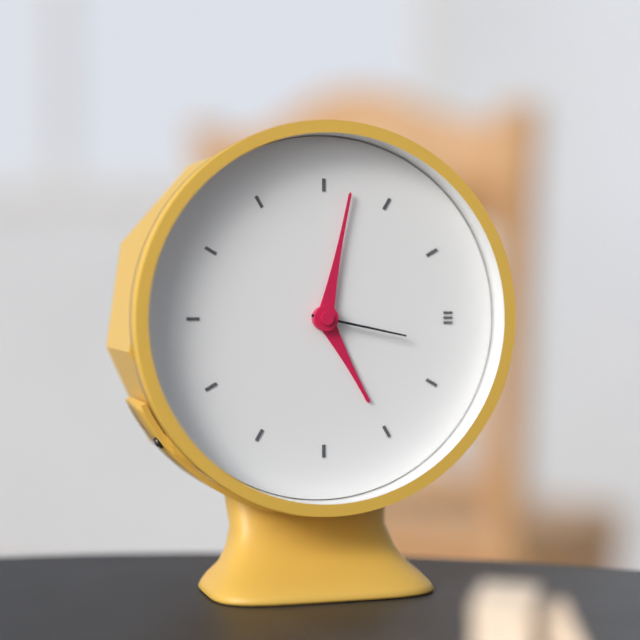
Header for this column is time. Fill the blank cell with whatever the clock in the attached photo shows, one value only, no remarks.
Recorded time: 5:02:17
